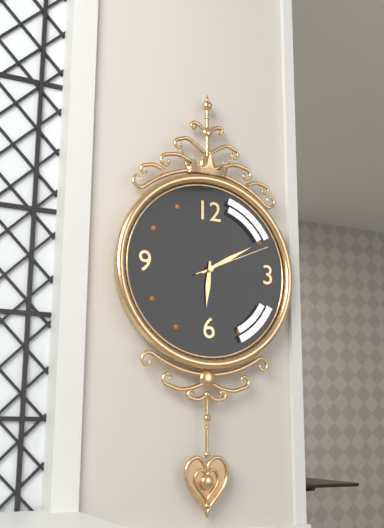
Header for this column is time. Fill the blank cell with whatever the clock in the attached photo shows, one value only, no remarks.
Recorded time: 6:10:11
